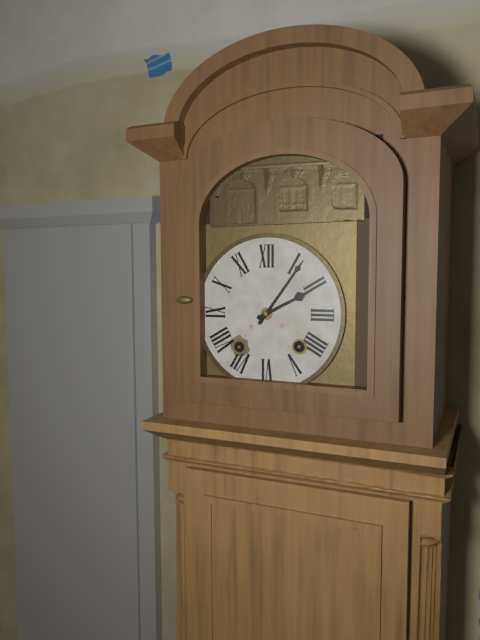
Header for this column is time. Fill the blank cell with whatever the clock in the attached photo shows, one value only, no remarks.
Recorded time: 2:06
